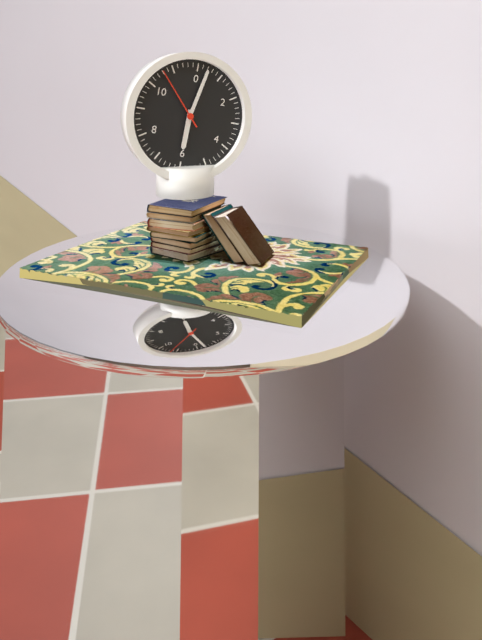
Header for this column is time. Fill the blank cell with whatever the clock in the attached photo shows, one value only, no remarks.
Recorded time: 6:02:53
